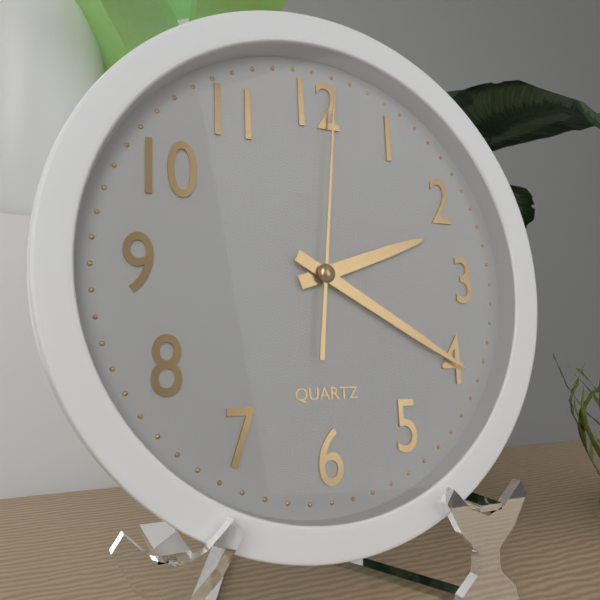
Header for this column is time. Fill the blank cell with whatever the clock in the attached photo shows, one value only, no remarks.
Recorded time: 2:20:01
